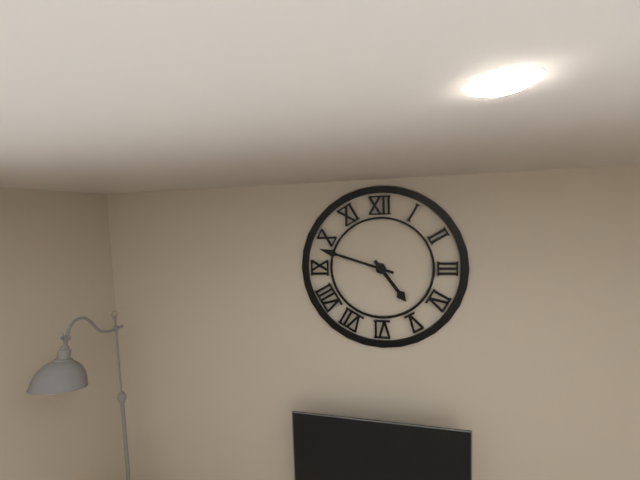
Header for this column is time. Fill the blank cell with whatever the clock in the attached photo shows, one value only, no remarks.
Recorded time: 4:48
